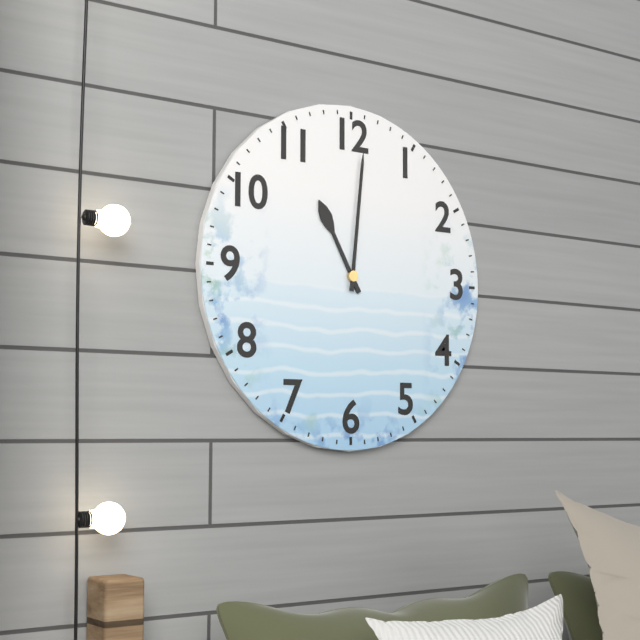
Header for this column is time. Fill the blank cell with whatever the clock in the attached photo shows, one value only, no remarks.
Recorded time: 11:01
